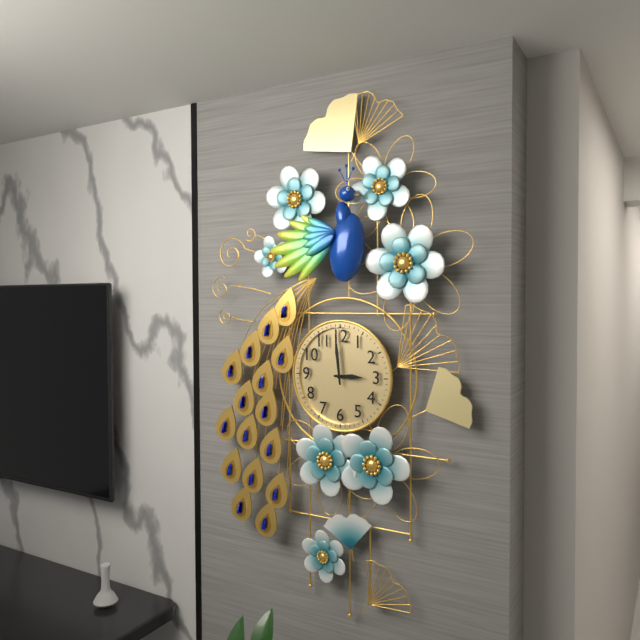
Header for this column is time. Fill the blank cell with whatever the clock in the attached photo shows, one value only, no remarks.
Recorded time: 2:59
